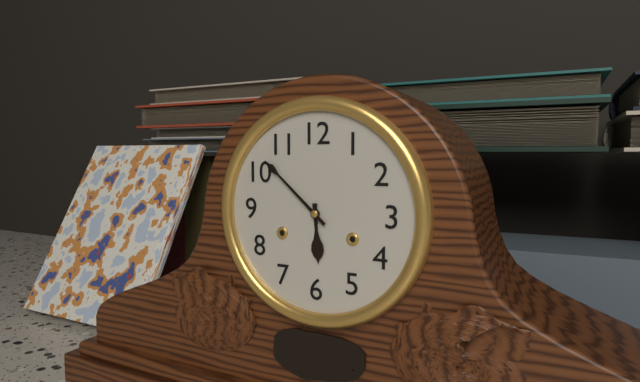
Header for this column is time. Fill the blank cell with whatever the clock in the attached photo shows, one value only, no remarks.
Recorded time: 5:52
